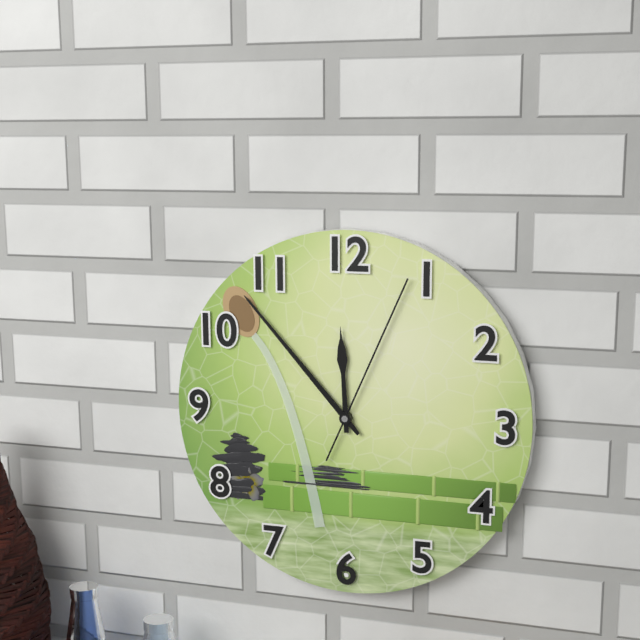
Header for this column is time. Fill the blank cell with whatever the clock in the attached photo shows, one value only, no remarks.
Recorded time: 11:53:04
